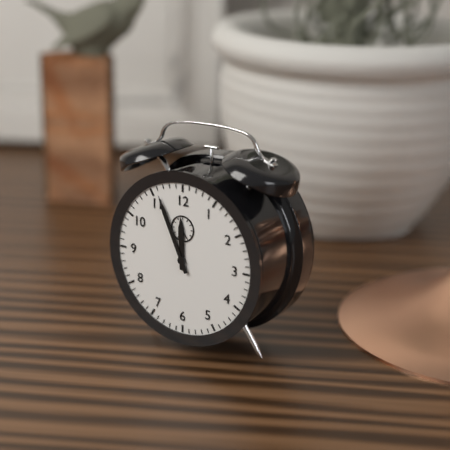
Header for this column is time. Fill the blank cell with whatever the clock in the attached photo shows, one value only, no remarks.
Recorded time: 11:56
